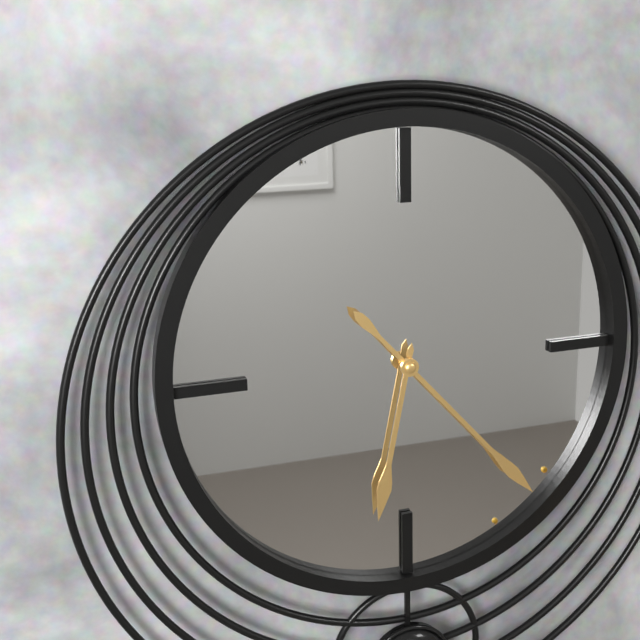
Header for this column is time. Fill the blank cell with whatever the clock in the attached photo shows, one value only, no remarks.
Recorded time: 6:23
